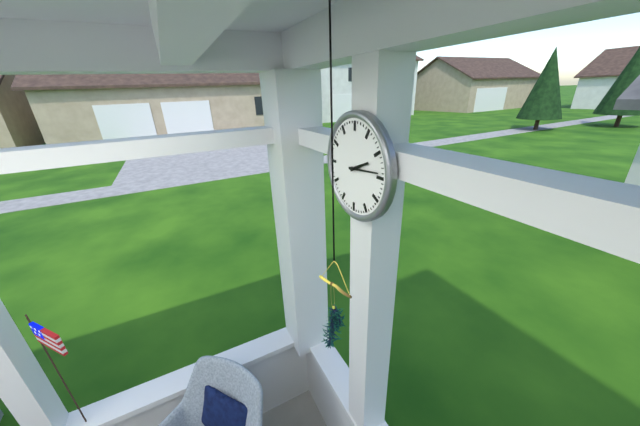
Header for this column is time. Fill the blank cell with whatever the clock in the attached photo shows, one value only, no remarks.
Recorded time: 2:14
